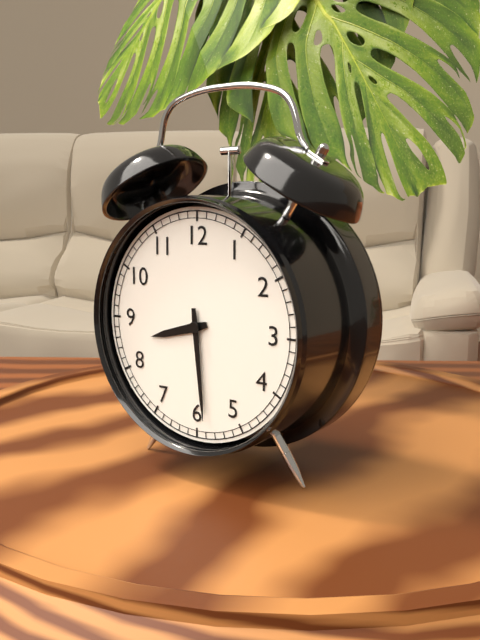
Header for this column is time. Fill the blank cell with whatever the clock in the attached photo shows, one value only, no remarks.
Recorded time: 8:29
